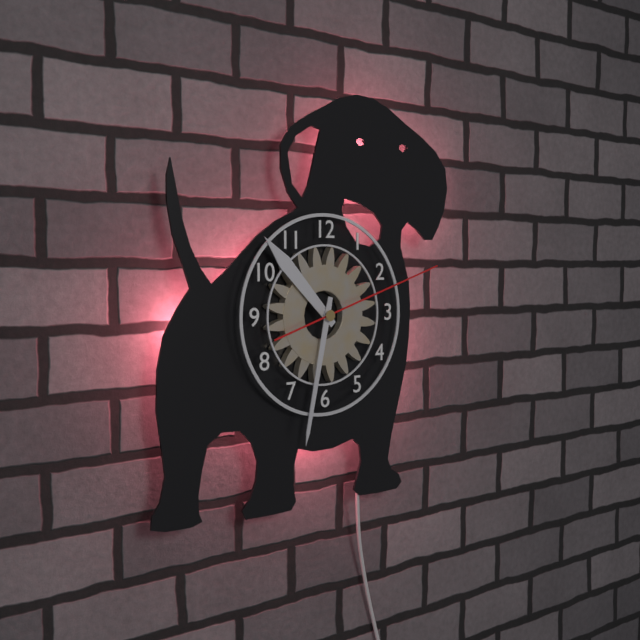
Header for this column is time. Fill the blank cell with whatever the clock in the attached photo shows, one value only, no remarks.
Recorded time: 10:32:12
